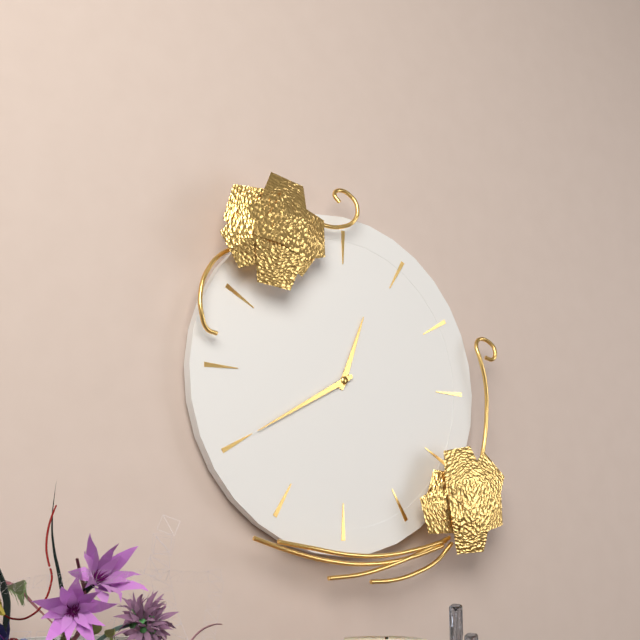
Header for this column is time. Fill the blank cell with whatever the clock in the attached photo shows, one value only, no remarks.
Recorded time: 12:40
